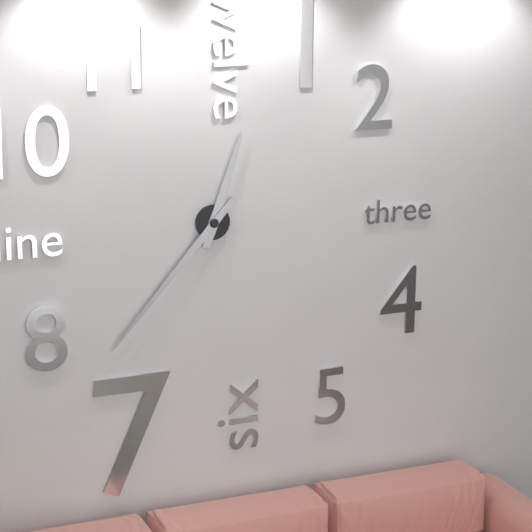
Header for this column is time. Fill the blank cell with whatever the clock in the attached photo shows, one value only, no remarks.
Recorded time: 12:37
